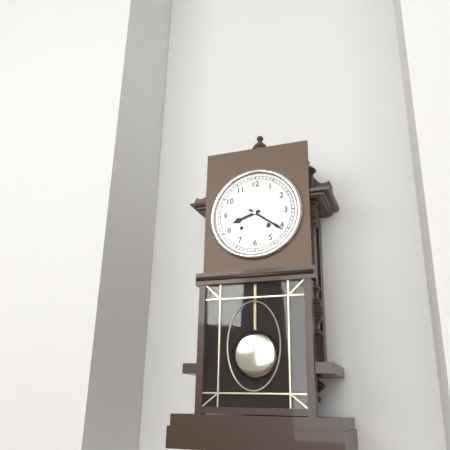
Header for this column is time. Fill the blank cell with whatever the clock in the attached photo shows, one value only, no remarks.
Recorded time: 8:21
